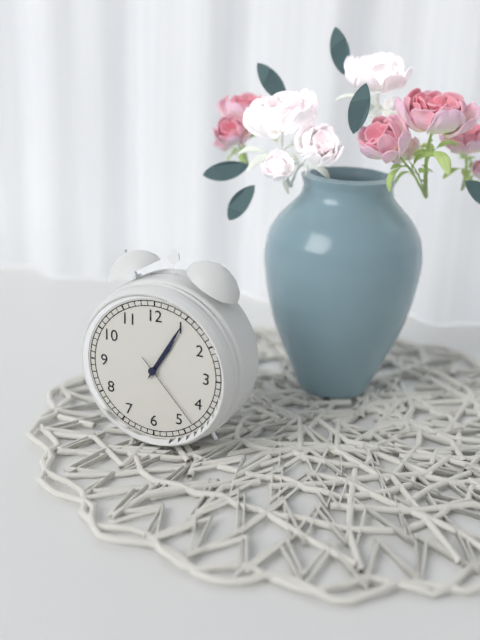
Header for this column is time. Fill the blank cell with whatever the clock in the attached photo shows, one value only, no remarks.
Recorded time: 1:05:23
